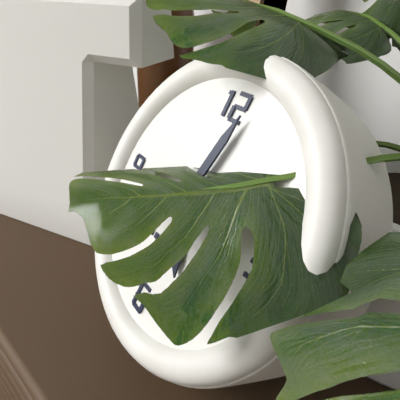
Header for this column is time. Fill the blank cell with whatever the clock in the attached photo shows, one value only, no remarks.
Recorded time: 5:02
